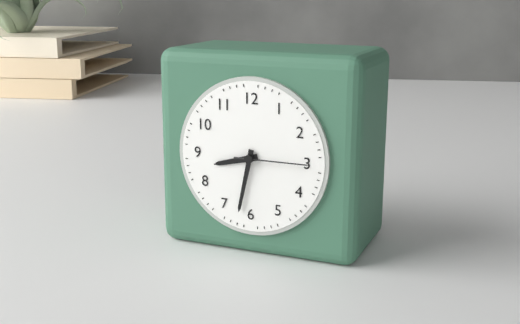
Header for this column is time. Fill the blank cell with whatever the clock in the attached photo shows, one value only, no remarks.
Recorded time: 8:32:15
